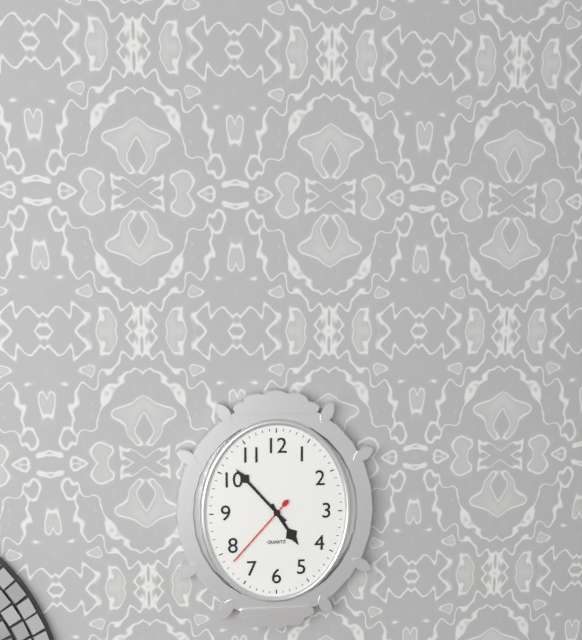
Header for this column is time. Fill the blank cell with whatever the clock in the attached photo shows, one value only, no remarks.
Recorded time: 4:53:37
